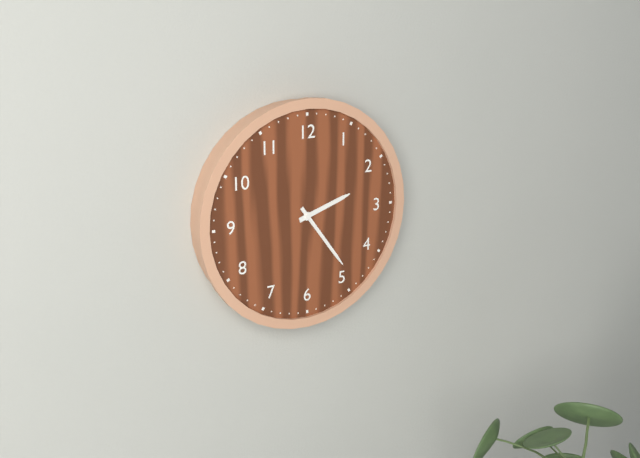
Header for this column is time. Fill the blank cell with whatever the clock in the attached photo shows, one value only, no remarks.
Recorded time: 2:24
